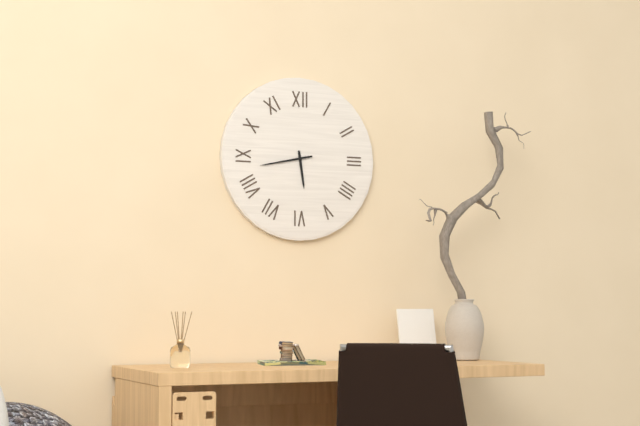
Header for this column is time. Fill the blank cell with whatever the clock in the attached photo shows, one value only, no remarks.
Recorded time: 5:43
